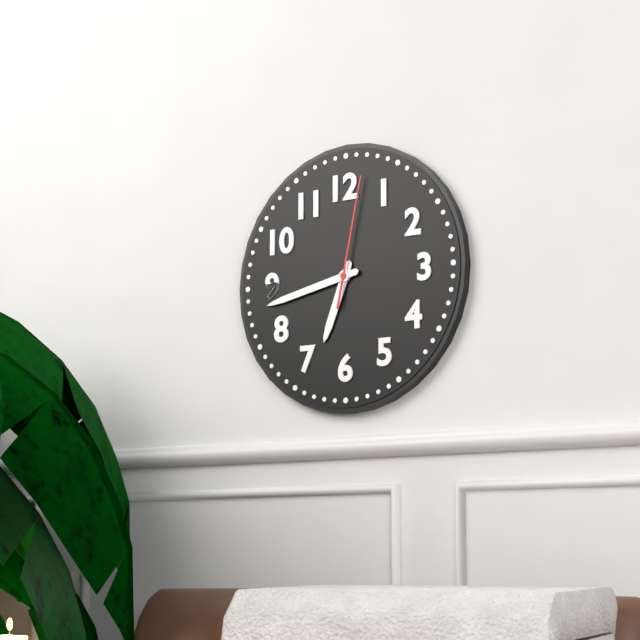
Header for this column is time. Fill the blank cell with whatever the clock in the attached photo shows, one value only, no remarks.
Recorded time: 6:43:02
